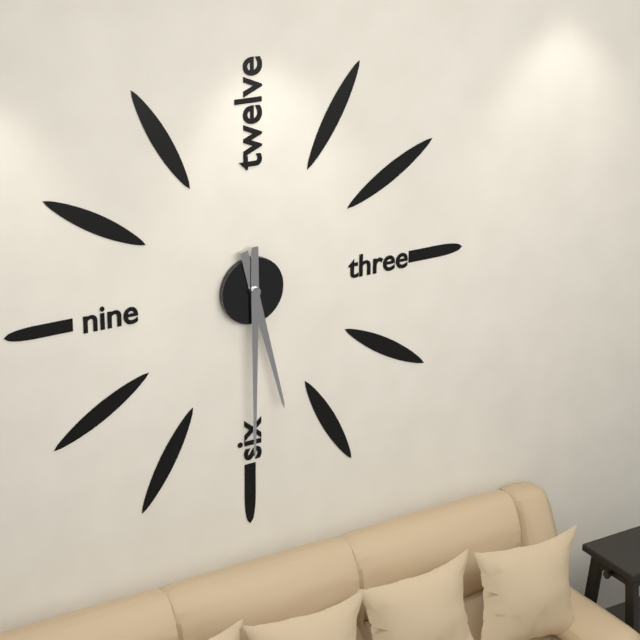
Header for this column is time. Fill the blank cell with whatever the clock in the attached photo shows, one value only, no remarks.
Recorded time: 5:30
